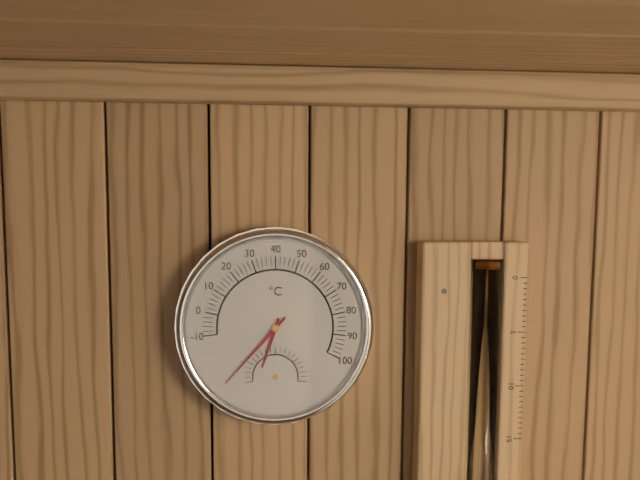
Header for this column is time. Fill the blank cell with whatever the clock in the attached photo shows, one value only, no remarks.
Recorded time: 6:37
